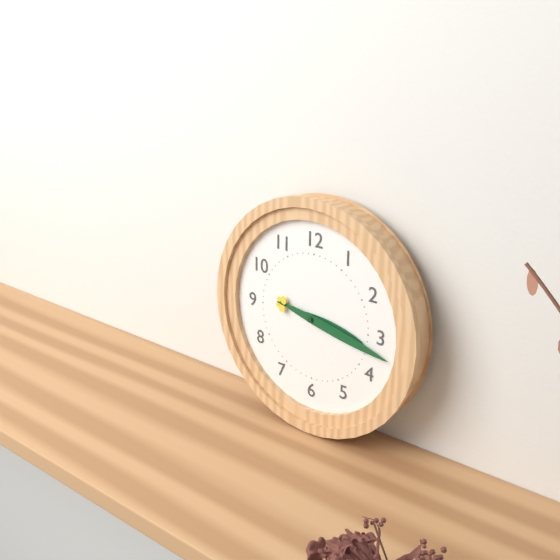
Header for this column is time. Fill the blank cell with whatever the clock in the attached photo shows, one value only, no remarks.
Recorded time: 3:17
